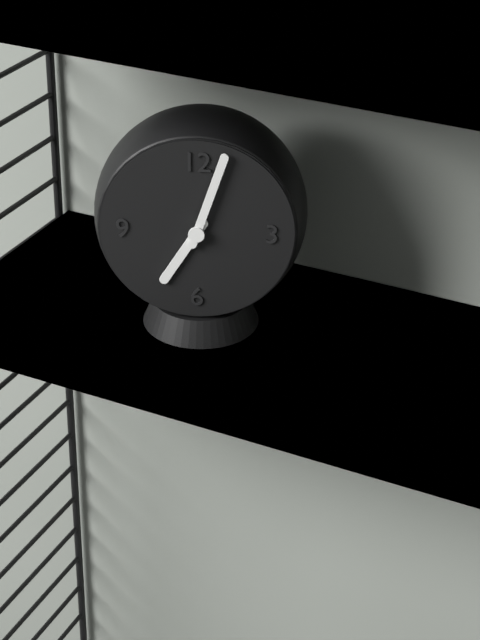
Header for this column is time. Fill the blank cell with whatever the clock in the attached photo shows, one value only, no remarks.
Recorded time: 7:03
